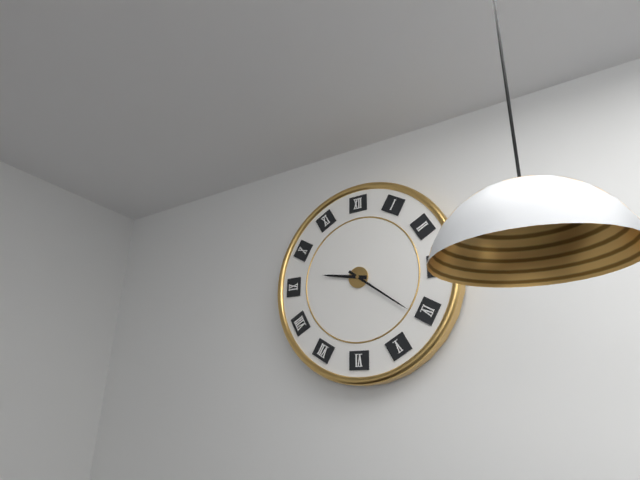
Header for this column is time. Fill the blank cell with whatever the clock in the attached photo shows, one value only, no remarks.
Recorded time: 9:21
